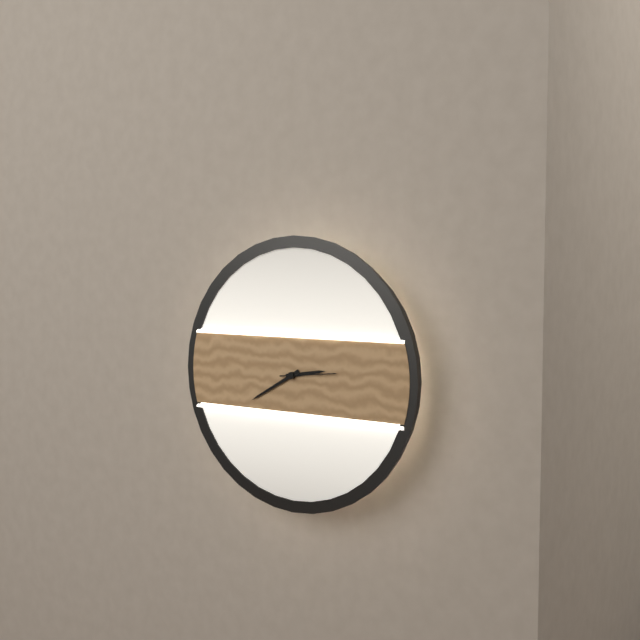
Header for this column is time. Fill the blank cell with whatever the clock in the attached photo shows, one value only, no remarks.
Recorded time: 2:40:14
